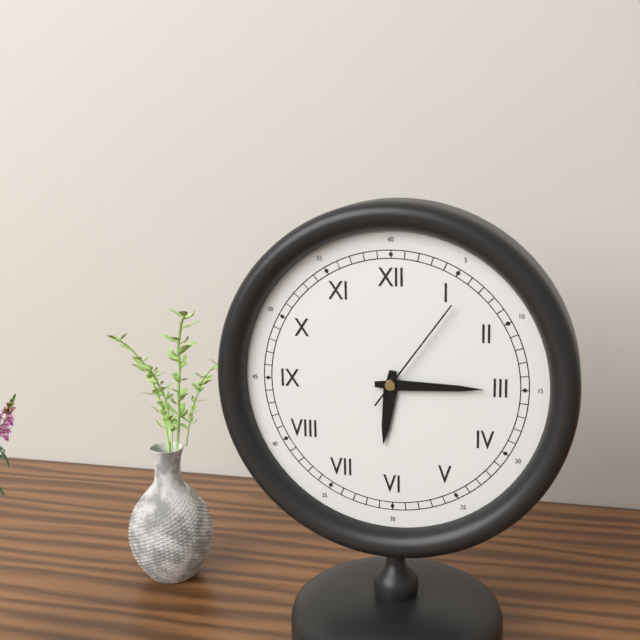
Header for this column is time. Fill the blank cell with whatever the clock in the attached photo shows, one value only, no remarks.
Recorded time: 6:15:06
